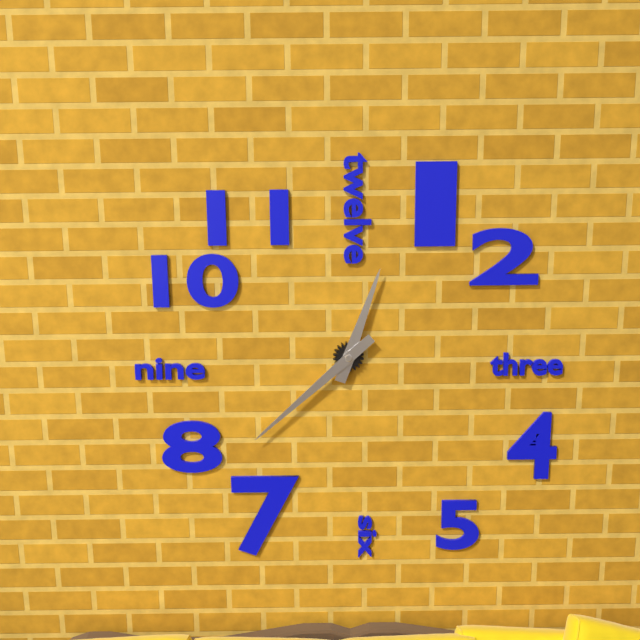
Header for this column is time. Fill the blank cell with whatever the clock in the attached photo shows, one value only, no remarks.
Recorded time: 12:38
